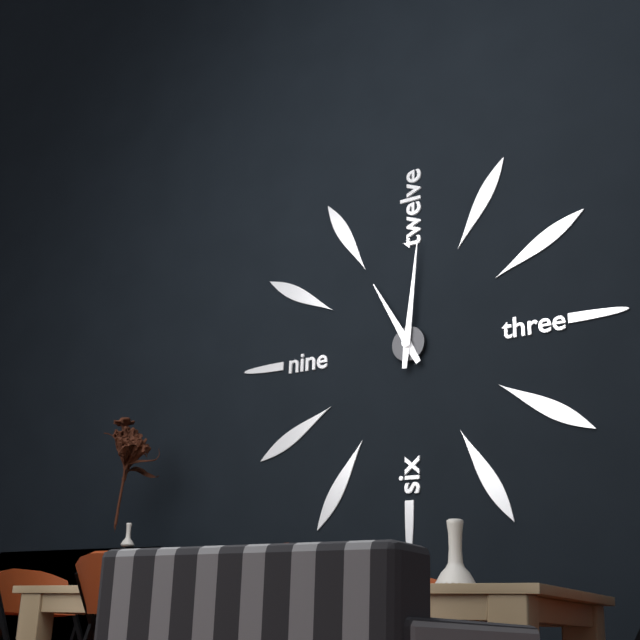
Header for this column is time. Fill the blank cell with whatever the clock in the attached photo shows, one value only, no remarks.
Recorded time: 11:01
